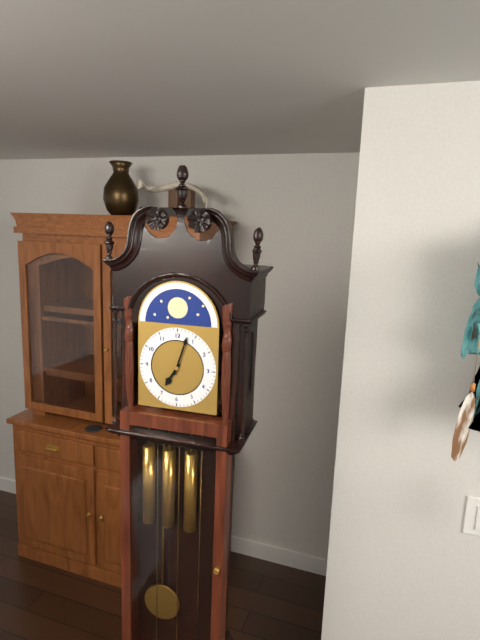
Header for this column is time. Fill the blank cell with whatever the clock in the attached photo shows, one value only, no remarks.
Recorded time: 7:03
